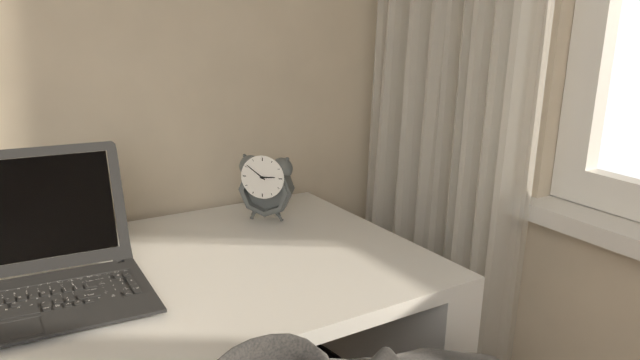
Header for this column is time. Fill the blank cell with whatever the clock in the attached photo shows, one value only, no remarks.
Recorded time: 2:51
